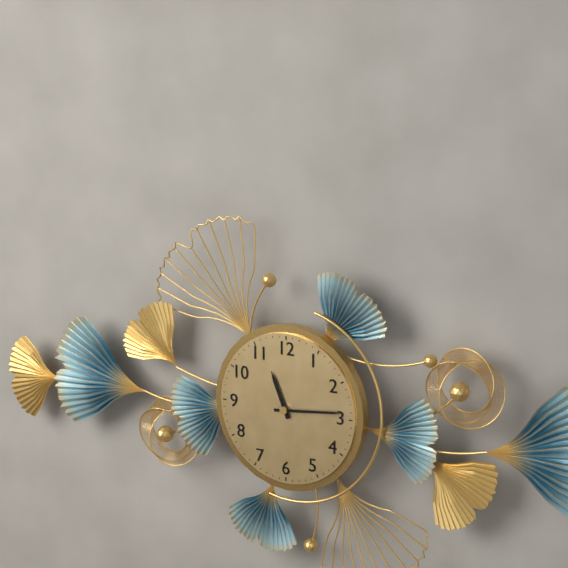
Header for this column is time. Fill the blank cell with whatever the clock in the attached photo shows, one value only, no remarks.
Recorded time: 11:14
